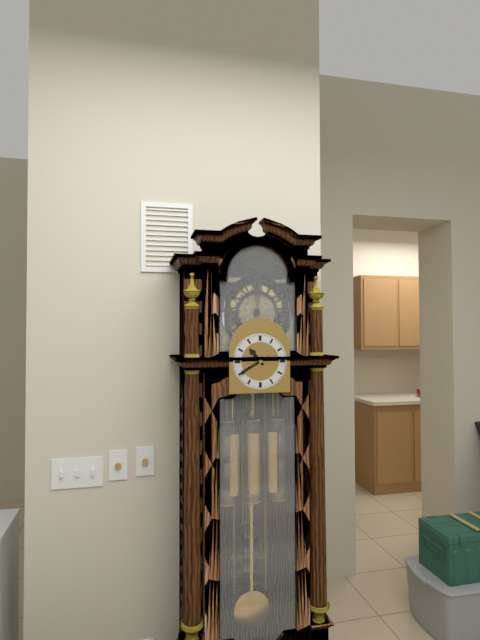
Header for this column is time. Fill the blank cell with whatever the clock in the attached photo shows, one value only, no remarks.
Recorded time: 10:40
